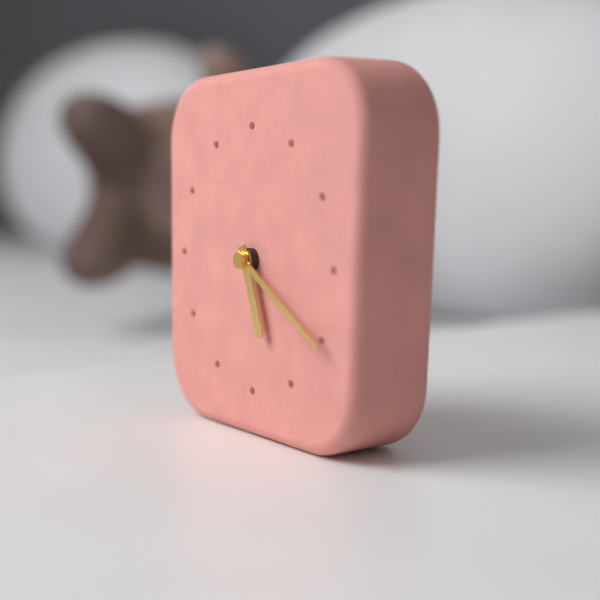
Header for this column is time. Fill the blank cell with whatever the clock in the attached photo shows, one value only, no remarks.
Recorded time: 5:20
